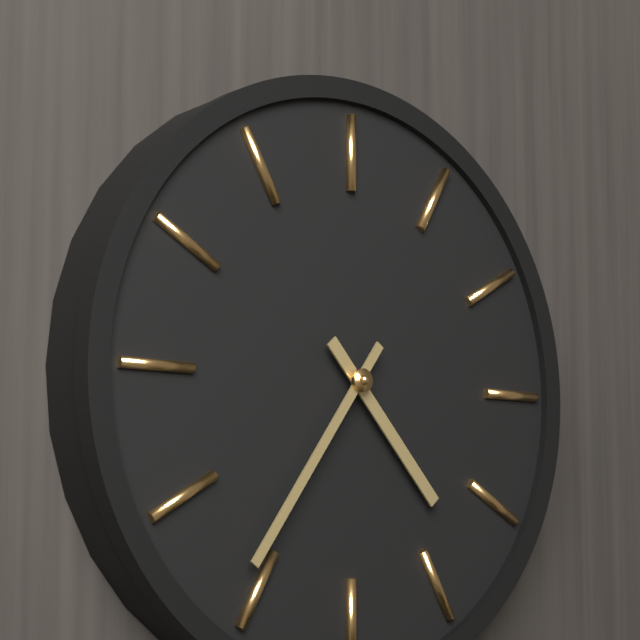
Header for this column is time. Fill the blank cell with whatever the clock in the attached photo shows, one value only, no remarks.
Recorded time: 4:36
